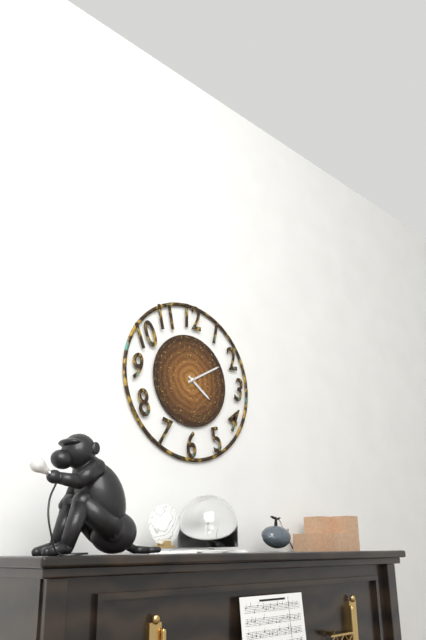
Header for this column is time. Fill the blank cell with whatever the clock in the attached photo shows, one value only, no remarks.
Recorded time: 4:10
